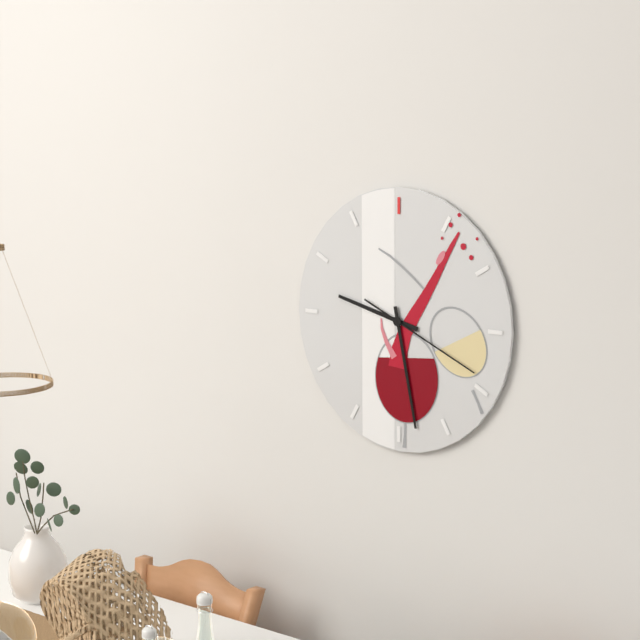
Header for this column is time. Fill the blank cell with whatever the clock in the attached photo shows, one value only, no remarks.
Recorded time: 9:28:19
